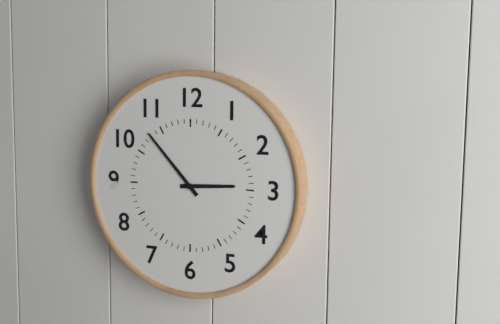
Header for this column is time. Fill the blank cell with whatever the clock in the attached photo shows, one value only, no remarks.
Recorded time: 2:53
